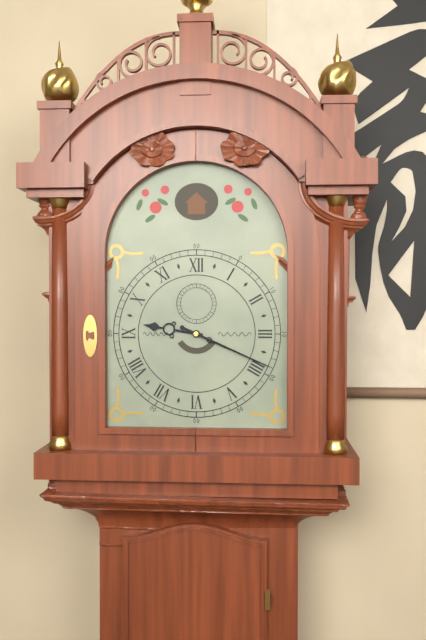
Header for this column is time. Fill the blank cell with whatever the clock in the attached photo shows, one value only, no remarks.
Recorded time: 9:19
